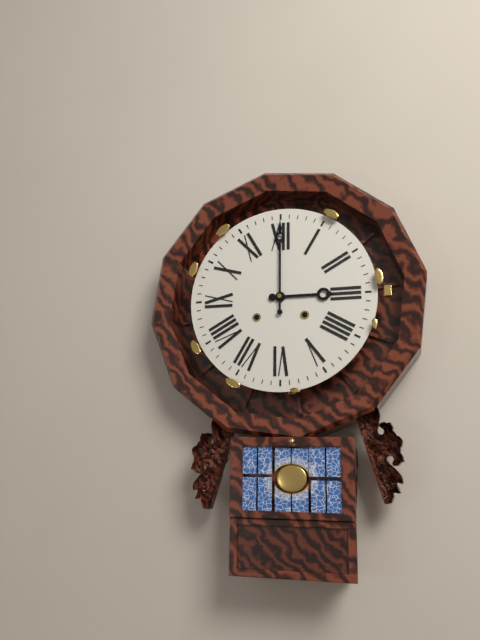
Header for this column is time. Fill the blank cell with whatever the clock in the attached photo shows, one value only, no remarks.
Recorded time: 3:00
